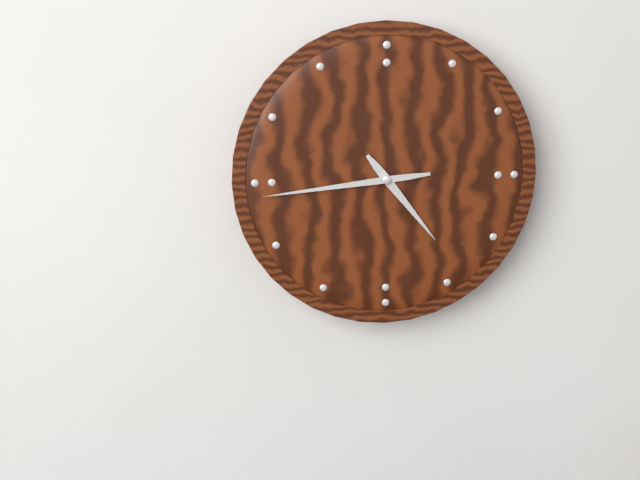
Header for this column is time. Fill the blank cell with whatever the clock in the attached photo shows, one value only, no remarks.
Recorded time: 4:44
